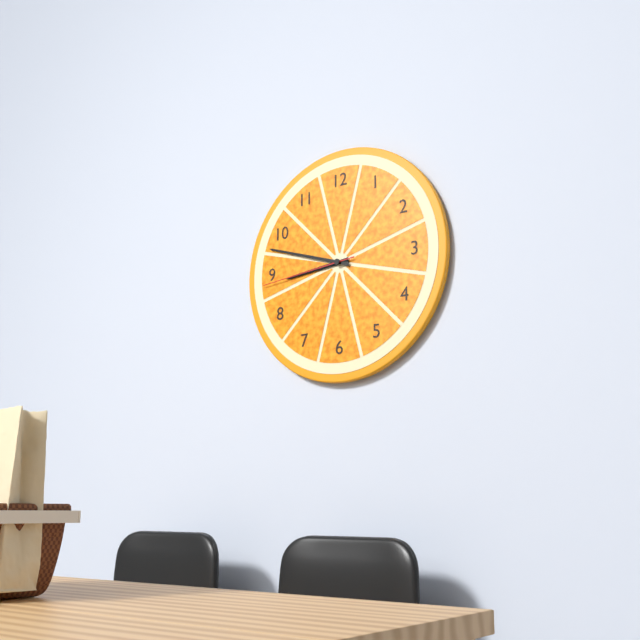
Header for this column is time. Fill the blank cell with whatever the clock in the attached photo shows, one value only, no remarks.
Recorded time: 8:48:44
